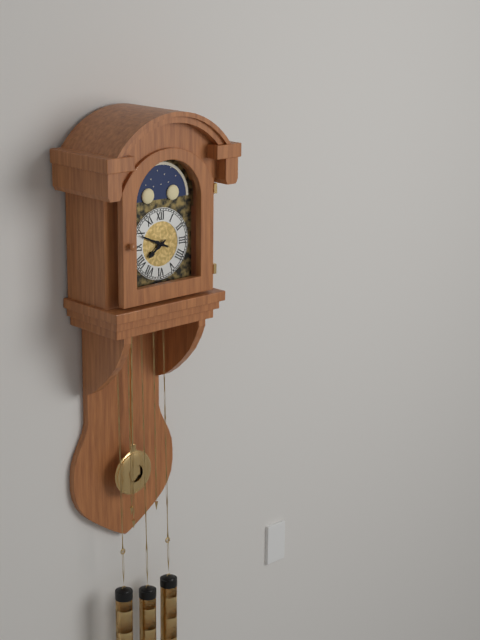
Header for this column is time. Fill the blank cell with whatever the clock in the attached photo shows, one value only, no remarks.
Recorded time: 7:49
